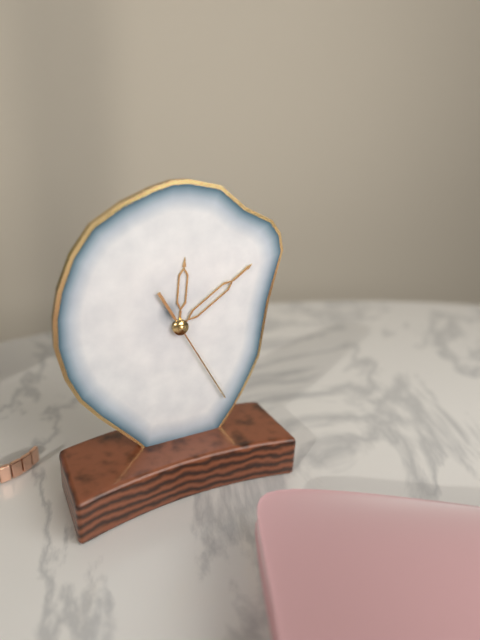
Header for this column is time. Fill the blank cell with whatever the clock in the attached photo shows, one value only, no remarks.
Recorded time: 12:09:25
